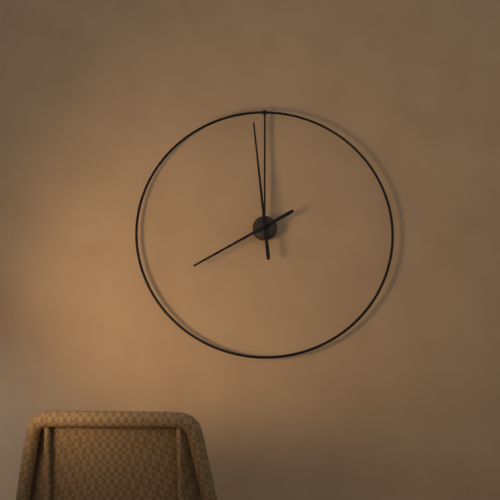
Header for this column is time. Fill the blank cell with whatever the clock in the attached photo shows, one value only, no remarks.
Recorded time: 7:59
